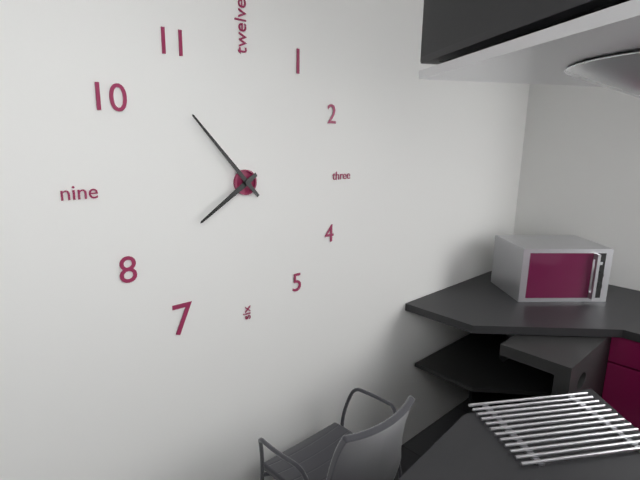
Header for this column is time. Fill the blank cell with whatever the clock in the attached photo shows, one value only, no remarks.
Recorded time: 7:53
